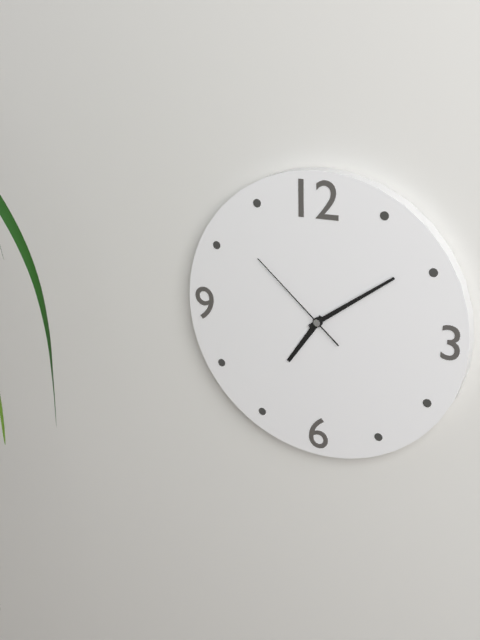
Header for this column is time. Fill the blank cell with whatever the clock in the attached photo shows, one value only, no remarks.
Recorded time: 7:09:52
